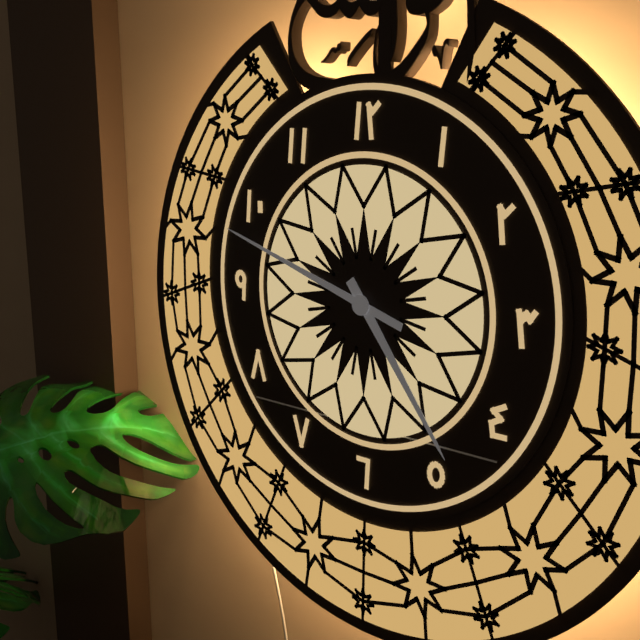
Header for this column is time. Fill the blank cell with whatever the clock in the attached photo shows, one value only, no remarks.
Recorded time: 4:48
